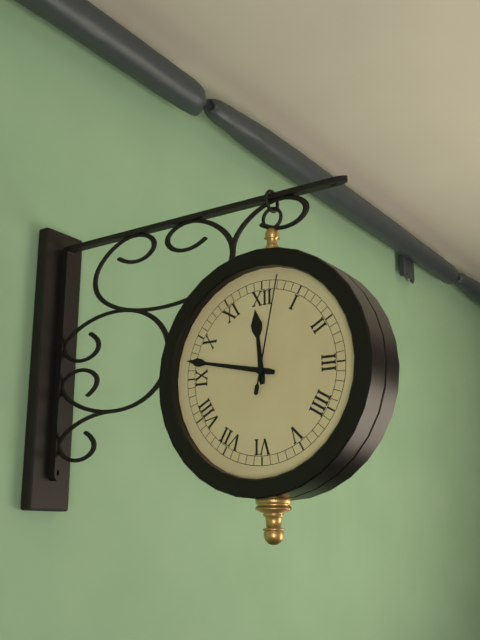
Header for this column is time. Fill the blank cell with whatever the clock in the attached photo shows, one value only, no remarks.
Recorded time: 11:47:02
